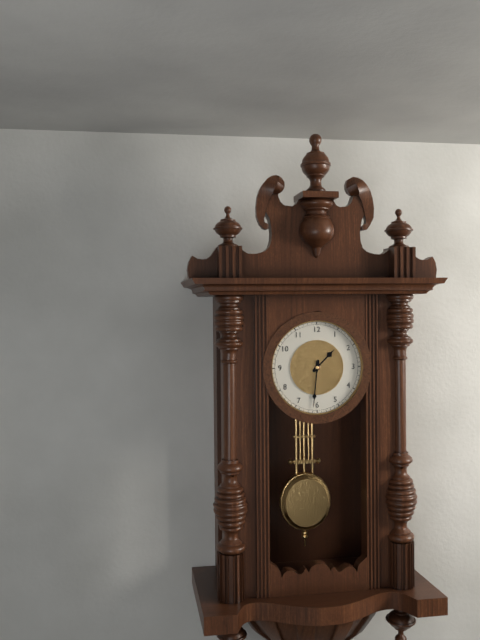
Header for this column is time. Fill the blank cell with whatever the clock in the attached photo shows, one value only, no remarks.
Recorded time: 1:31
